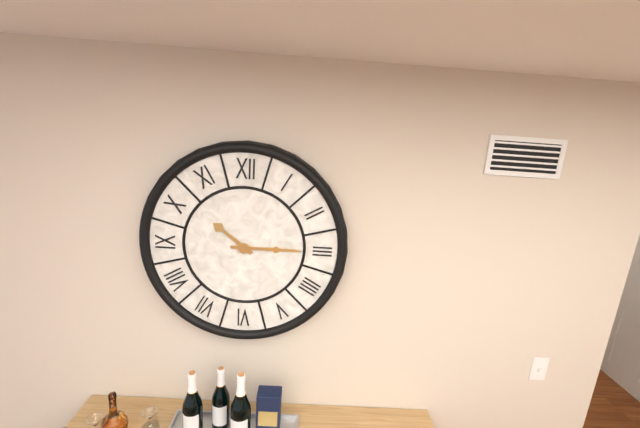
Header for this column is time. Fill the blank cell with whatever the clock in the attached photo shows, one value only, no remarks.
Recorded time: 10:15
